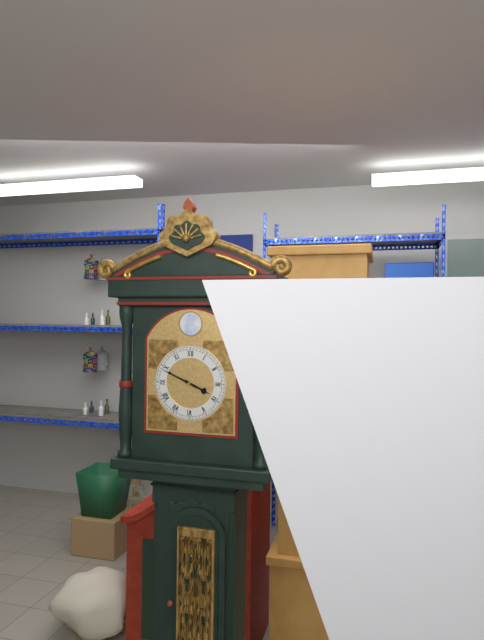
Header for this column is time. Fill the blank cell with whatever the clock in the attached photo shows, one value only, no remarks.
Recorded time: 3:49
